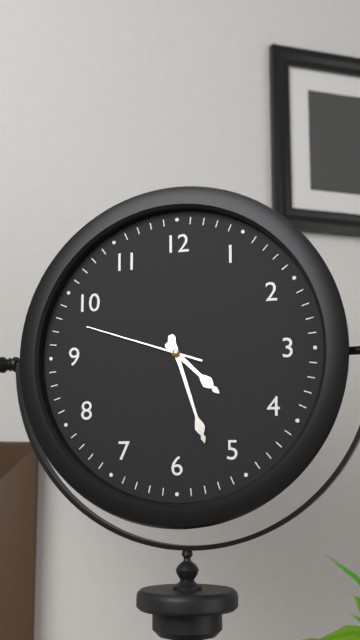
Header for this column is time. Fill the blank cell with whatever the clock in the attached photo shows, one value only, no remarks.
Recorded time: 4:27:48
